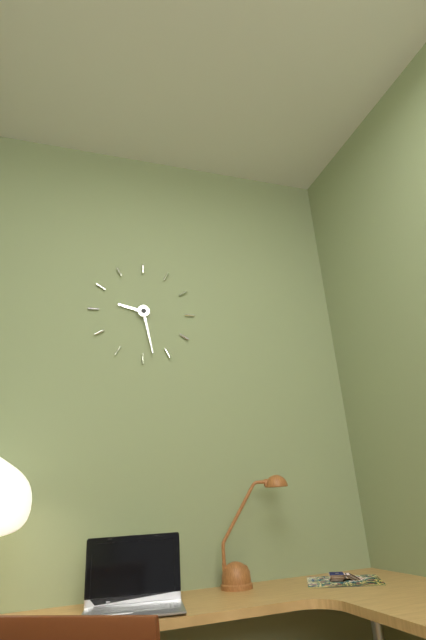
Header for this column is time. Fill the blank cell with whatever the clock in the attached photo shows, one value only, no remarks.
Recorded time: 9:28
